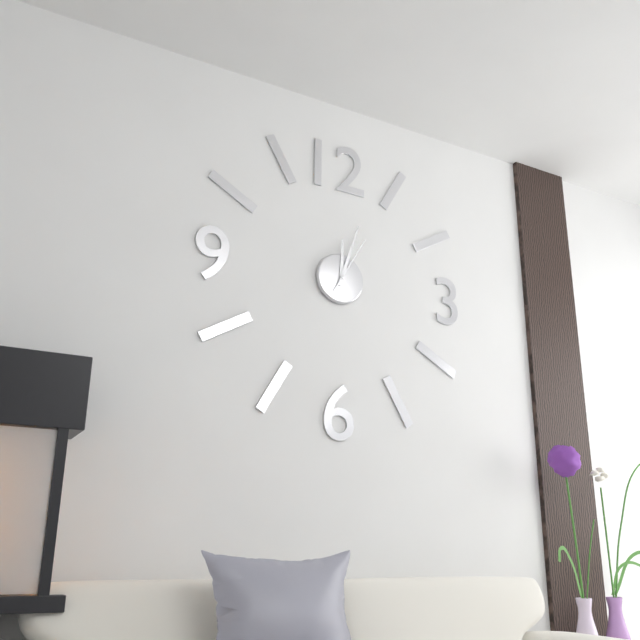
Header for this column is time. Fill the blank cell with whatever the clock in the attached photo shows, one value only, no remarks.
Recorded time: 12:03:05
